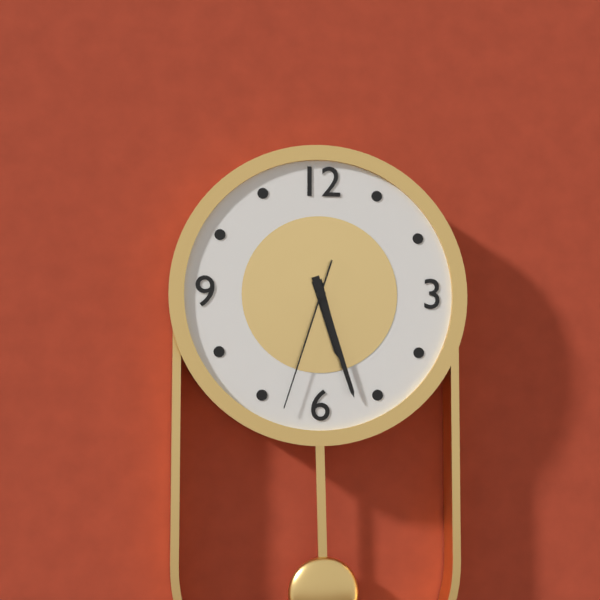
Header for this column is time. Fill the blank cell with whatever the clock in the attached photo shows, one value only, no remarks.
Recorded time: 5:27:33
